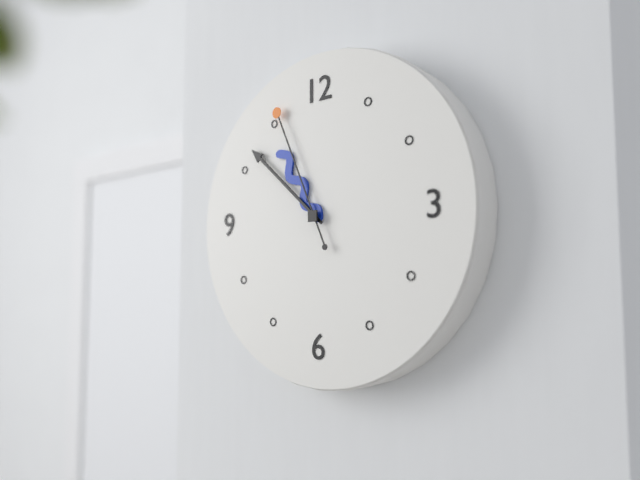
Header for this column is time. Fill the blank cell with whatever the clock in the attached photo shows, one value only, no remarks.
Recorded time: 10:52:56
